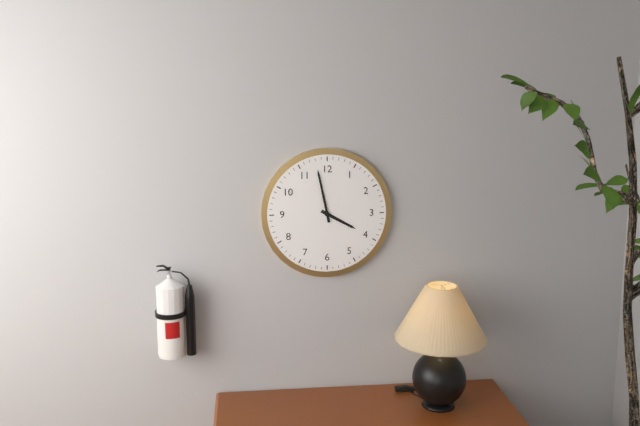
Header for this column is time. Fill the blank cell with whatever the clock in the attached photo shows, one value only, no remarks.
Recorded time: 3:58
